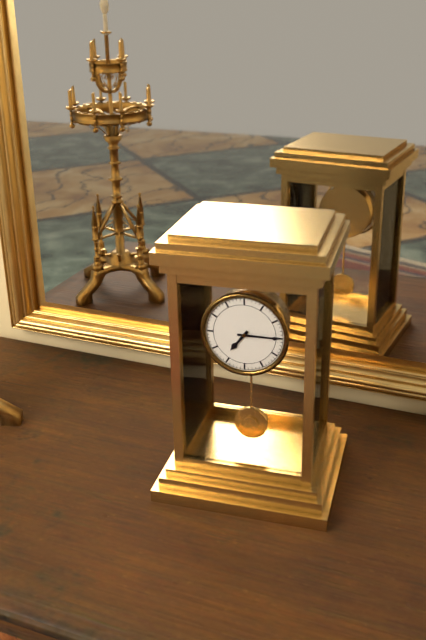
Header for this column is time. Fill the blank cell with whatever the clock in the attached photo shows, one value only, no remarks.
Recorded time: 7:15
